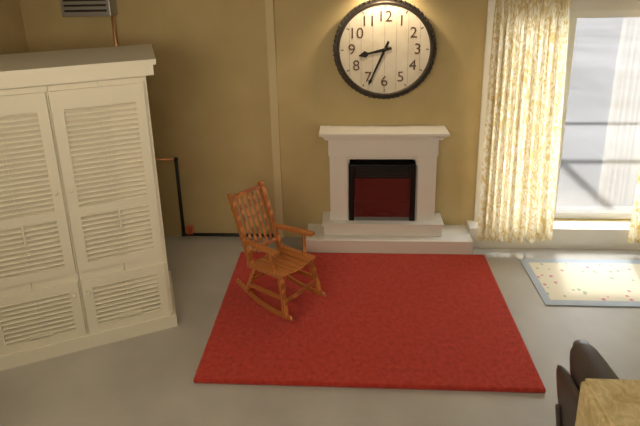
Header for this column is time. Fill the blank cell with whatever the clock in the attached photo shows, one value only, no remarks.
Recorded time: 8:34
